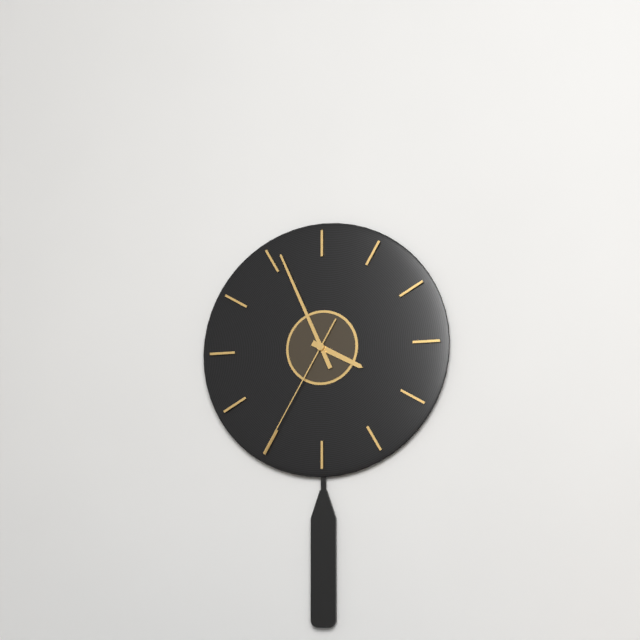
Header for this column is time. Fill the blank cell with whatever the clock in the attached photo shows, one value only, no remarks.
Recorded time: 3:56:35
